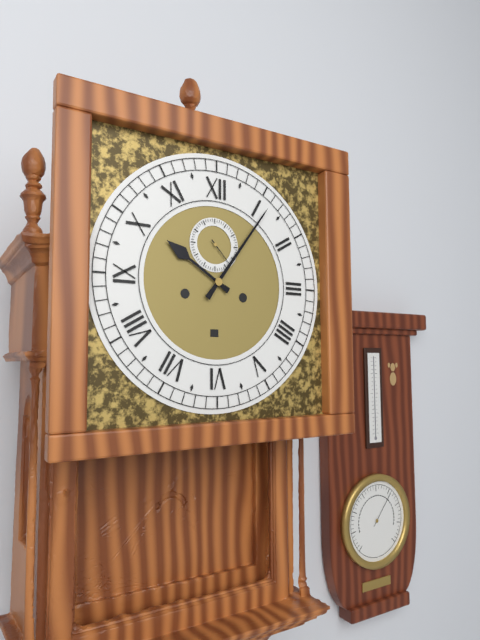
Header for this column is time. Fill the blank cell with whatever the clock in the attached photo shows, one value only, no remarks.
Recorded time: 10:06
